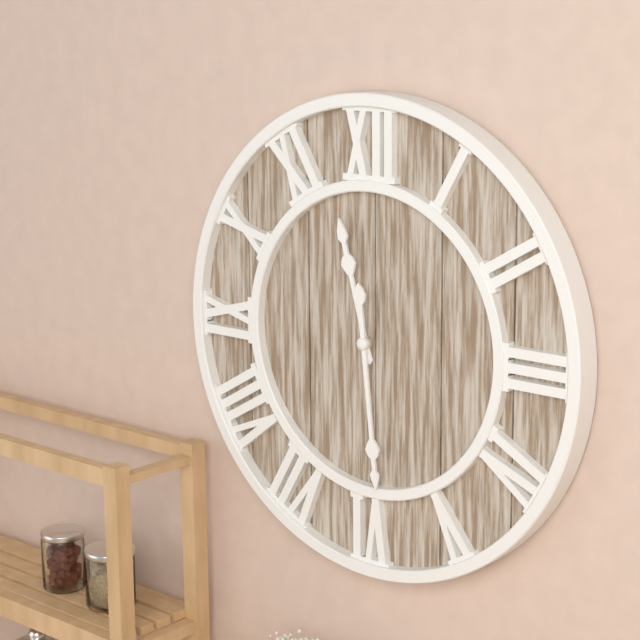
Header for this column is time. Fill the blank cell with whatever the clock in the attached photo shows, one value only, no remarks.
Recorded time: 11:29
